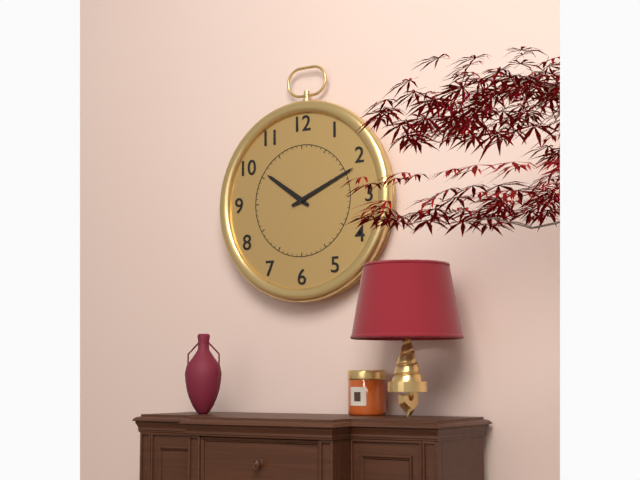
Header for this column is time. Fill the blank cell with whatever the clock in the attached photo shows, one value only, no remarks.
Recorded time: 10:11
